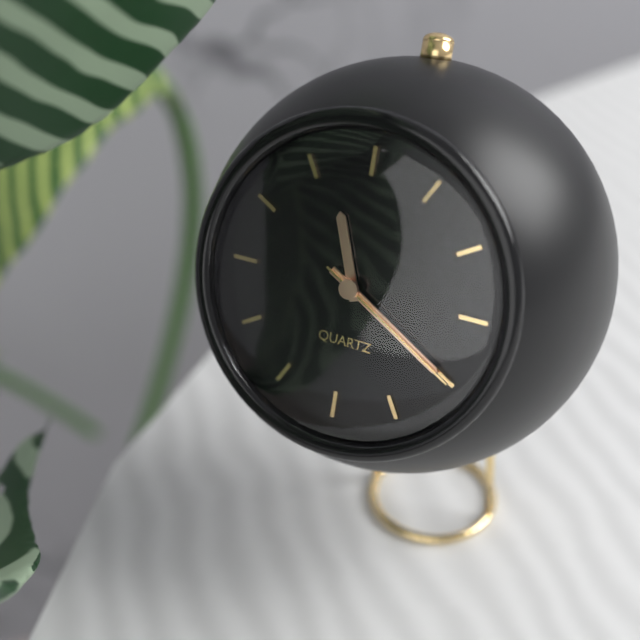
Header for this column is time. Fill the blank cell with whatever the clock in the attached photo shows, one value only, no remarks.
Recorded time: 11:20:20
